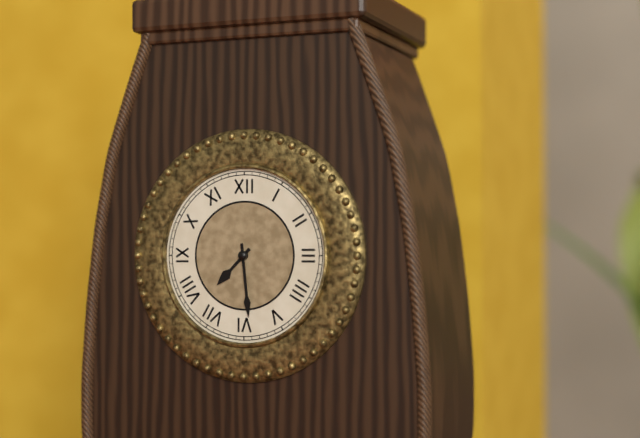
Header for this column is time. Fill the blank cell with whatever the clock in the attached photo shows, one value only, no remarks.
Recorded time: 7:29
